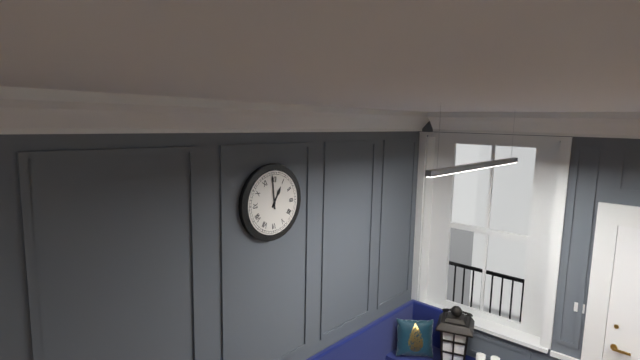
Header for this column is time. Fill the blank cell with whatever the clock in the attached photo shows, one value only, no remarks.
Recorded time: 12:59
